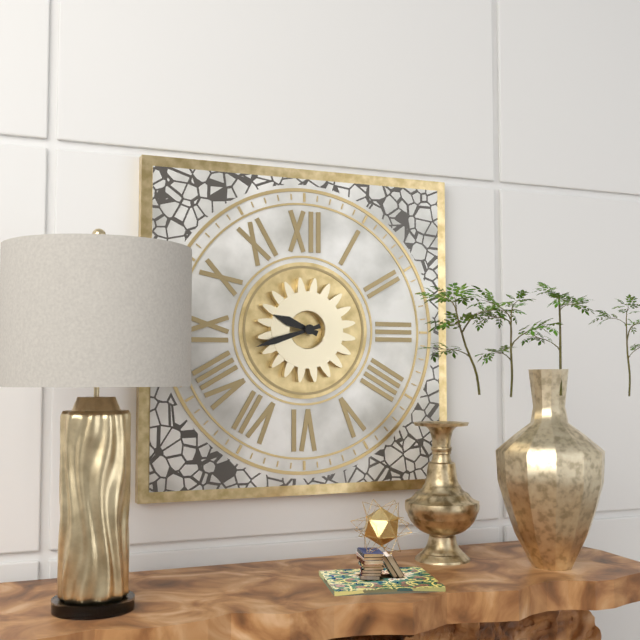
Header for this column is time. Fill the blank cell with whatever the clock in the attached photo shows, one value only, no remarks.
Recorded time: 9:42
